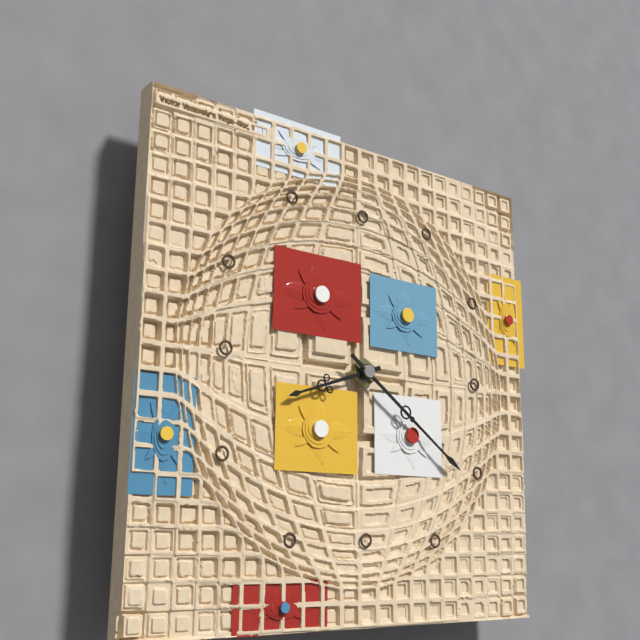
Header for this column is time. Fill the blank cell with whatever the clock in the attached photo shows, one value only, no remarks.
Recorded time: 8:21
